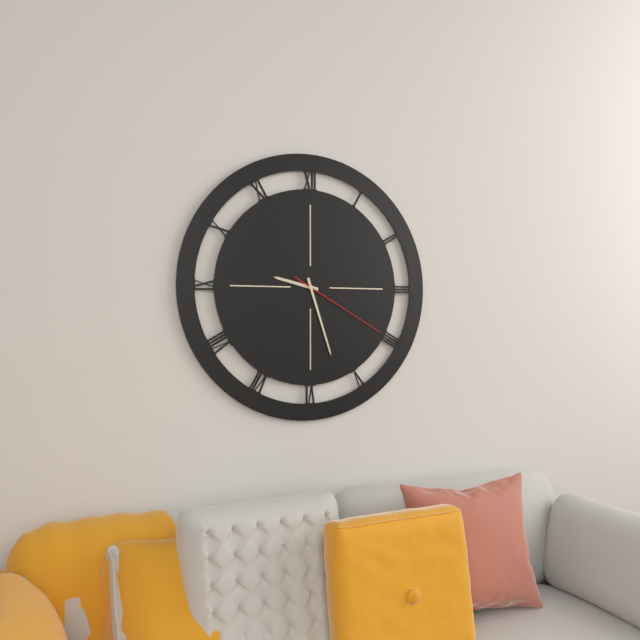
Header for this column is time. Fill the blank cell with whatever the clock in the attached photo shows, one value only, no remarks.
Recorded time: 9:27:20
